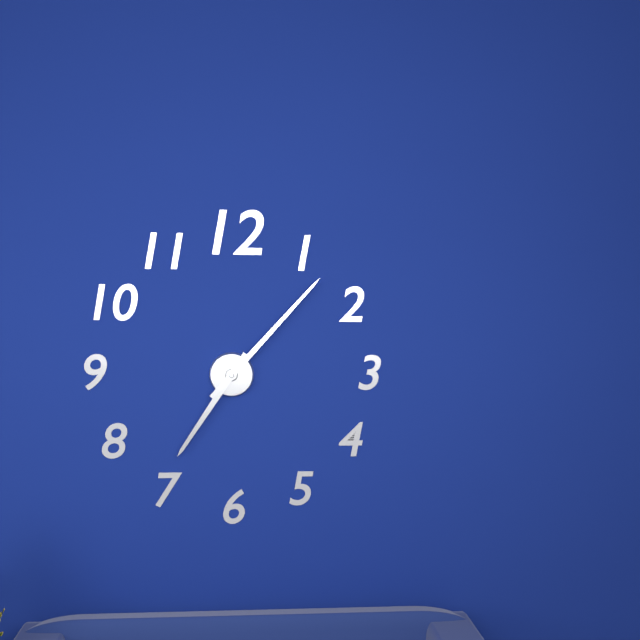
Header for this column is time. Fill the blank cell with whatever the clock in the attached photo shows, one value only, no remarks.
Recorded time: 7:07
